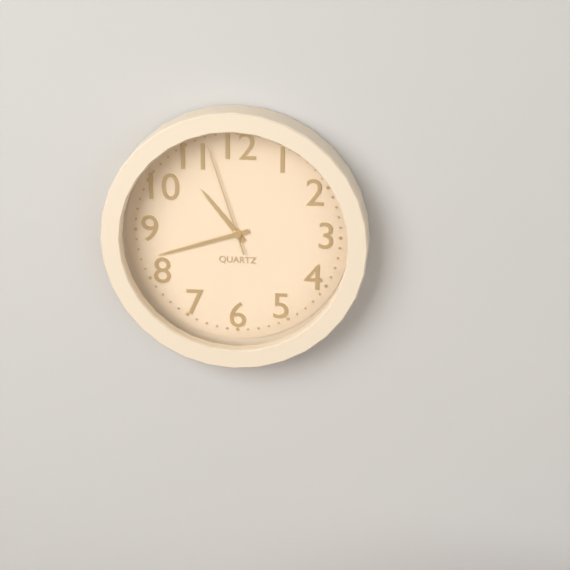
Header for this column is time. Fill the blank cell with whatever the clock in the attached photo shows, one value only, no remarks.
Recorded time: 10:42:57
